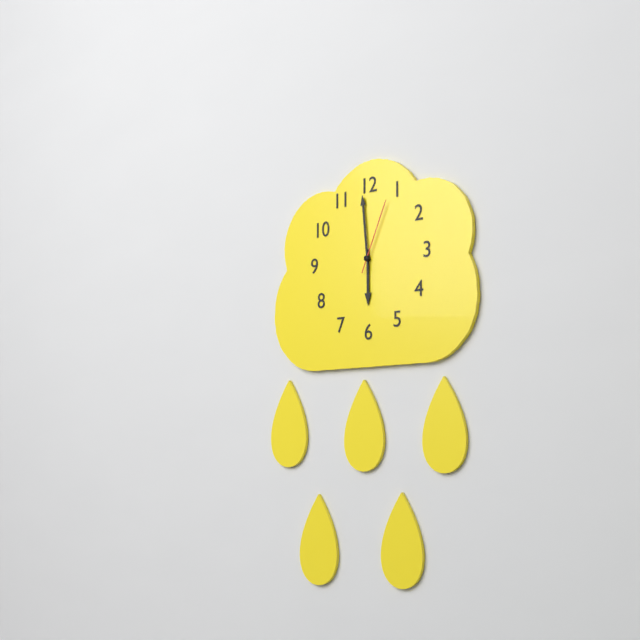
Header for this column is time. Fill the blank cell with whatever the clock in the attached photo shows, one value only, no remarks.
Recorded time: 5:59:04
